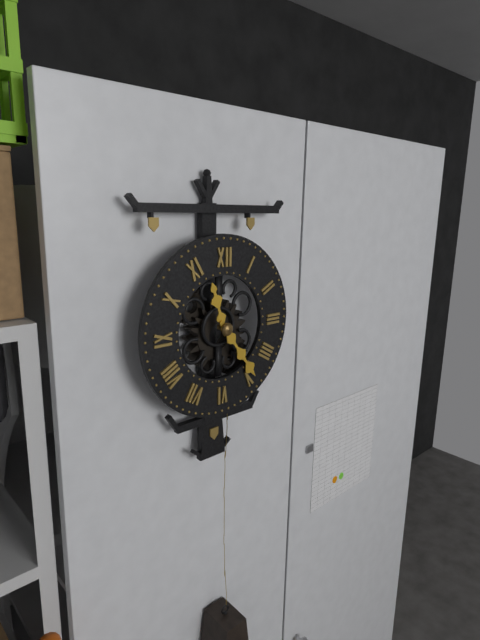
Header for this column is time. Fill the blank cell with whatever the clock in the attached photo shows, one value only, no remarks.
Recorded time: 11:24
